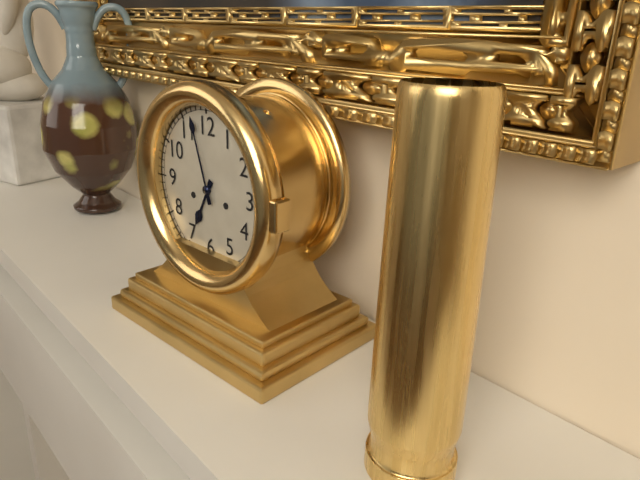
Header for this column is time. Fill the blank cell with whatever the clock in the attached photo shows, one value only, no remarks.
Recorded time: 6:57
